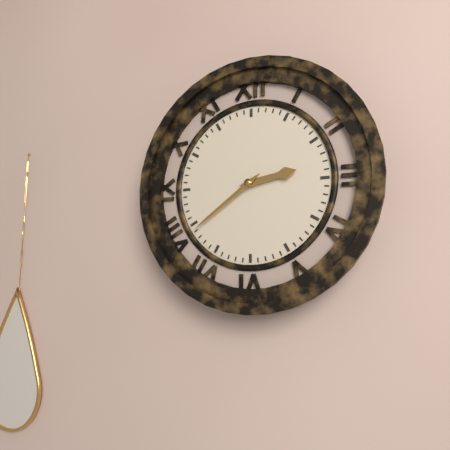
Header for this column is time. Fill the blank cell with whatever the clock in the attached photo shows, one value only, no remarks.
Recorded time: 2:39
